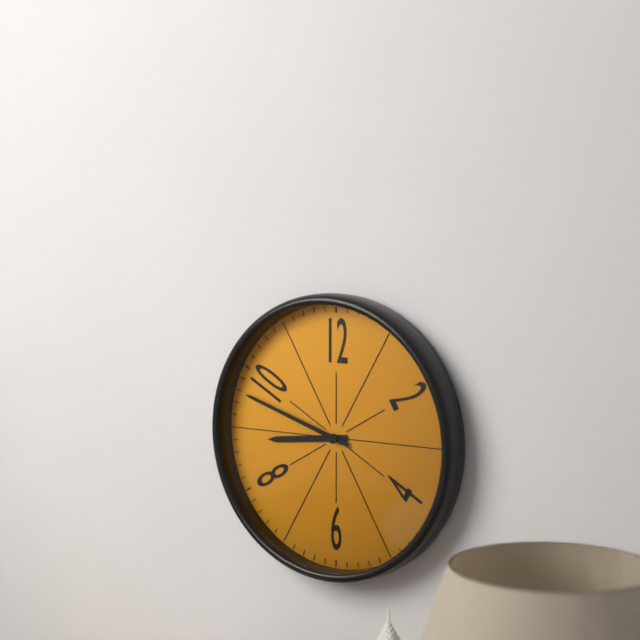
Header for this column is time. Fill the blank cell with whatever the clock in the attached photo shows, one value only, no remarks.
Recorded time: 8:48
